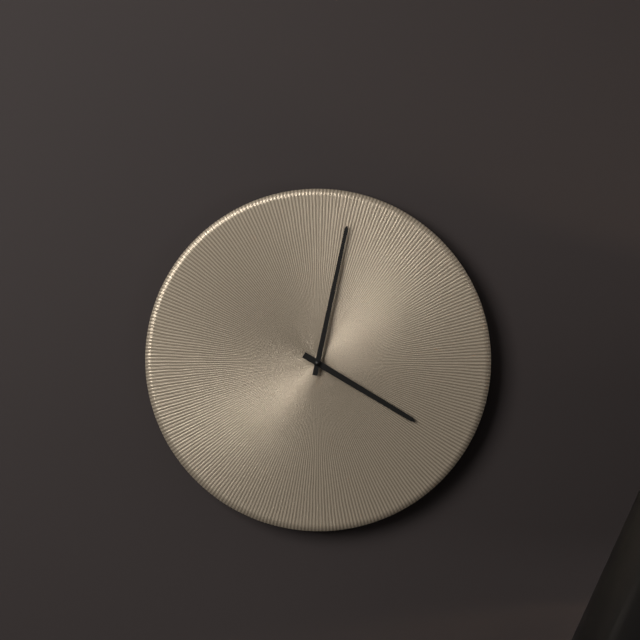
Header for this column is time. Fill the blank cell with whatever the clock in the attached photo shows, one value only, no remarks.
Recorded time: 4:02
